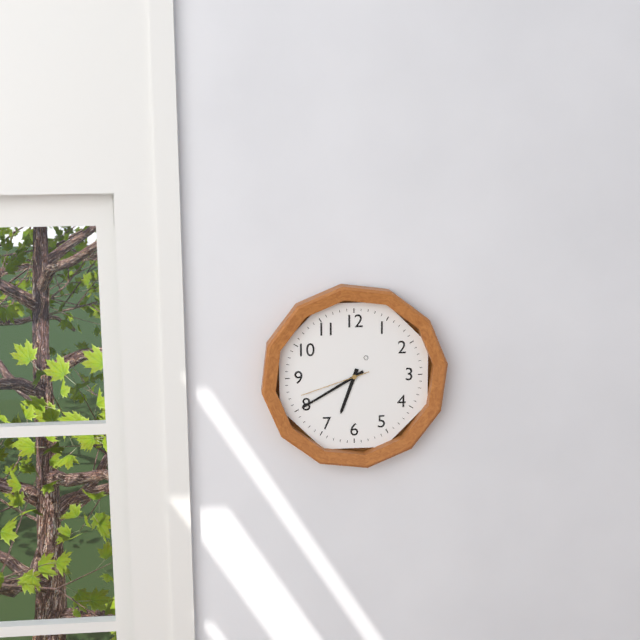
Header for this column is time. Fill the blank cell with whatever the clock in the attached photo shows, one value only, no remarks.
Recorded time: 6:40:42
